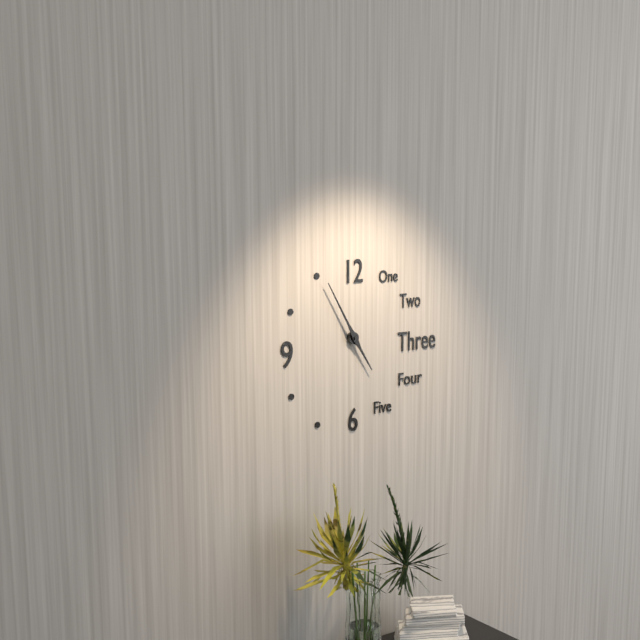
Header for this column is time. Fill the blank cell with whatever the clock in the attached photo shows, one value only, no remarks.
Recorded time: 4:55
